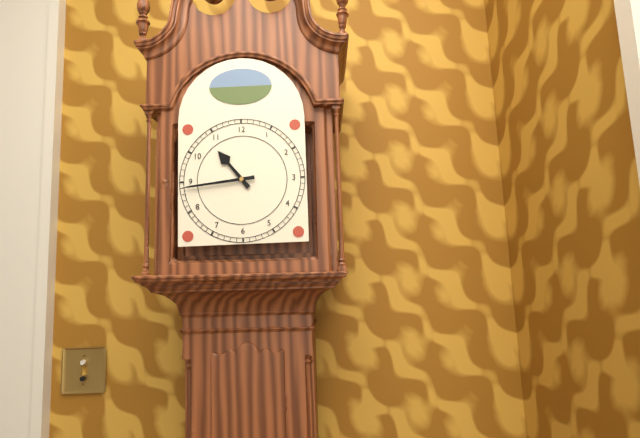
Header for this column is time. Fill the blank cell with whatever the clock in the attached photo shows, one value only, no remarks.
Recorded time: 10:44
